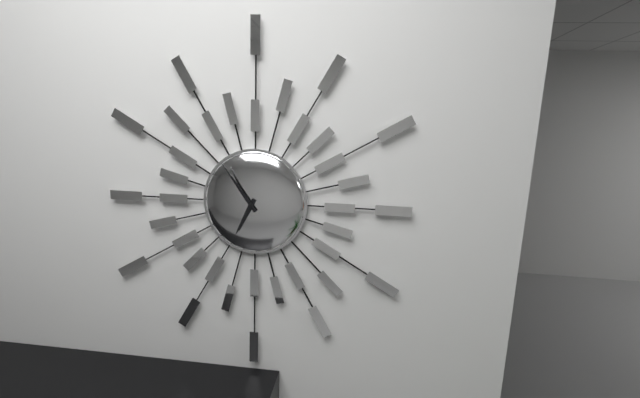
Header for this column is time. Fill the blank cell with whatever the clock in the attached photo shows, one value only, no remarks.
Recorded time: 6:54
